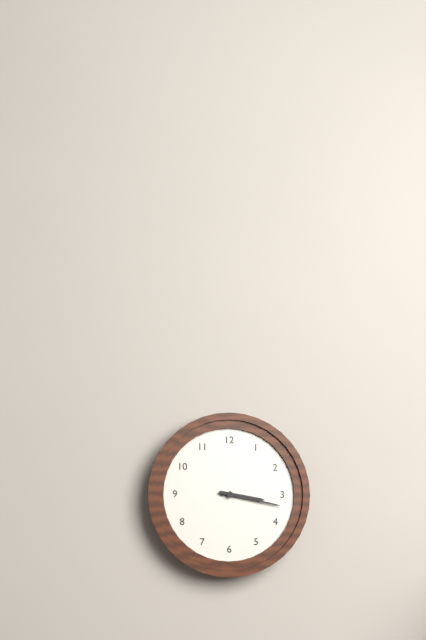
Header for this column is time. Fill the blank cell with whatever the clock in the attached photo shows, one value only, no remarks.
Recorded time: 3:17
